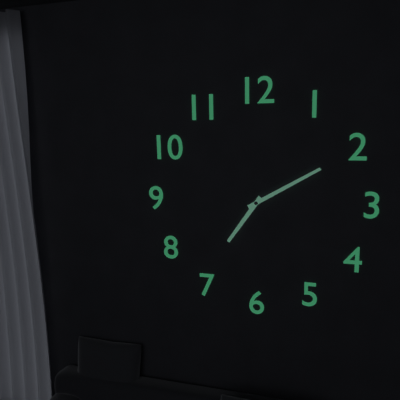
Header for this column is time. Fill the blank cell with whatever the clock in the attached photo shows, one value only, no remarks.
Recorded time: 7:10
